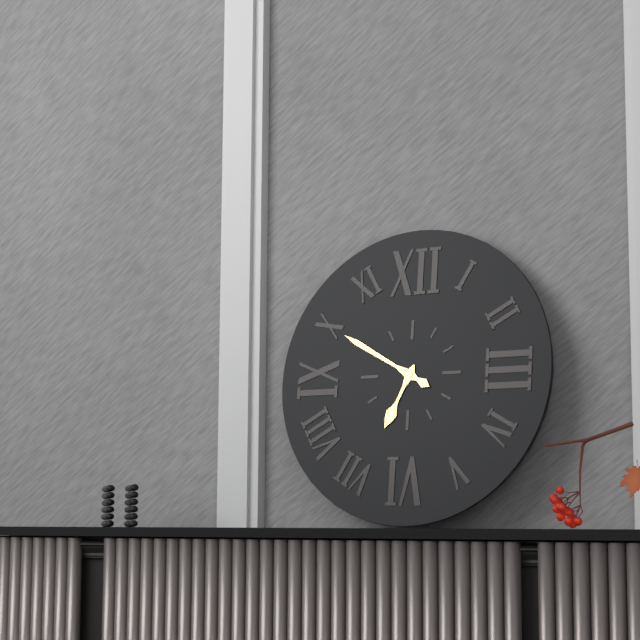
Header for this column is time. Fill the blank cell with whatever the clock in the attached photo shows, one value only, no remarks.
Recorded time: 6:50
